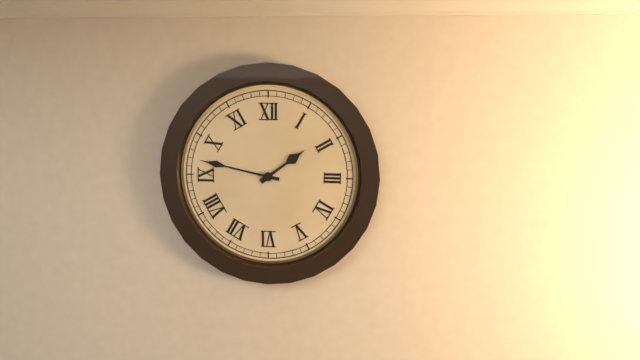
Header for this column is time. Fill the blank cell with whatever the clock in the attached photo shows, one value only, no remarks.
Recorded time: 1:47
